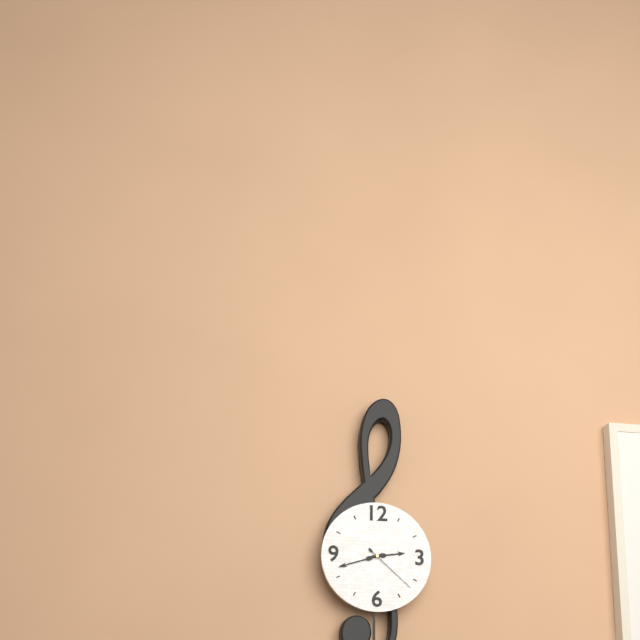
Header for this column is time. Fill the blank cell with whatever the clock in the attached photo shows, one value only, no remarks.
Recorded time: 2:42:22
